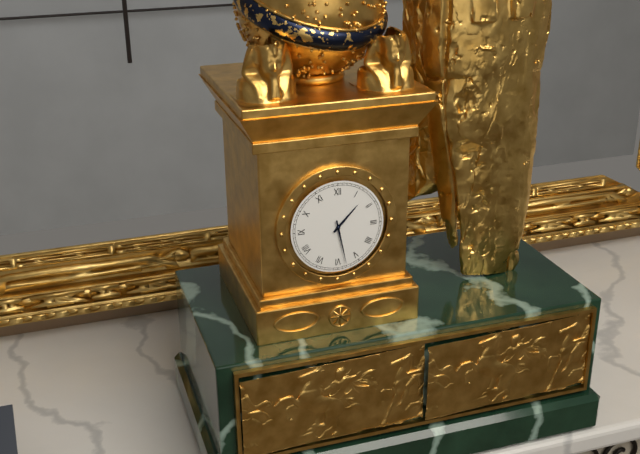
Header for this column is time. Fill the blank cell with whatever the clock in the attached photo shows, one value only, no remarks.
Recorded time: 1:28
